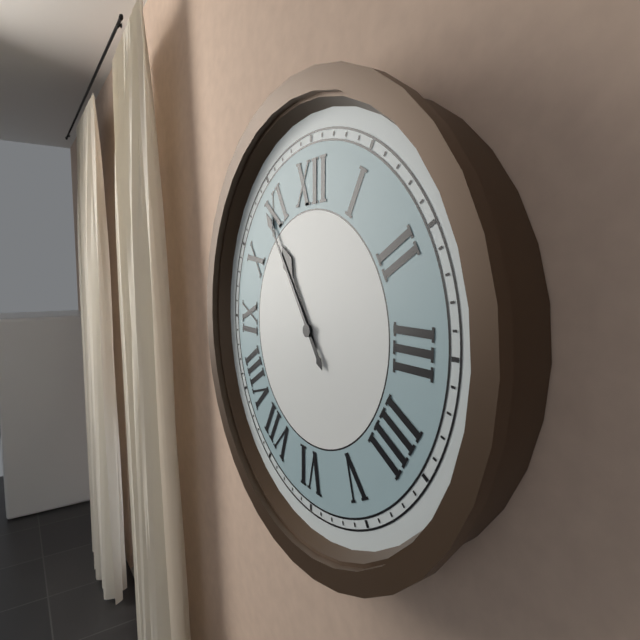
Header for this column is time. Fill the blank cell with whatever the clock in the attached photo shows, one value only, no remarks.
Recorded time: 10:54
